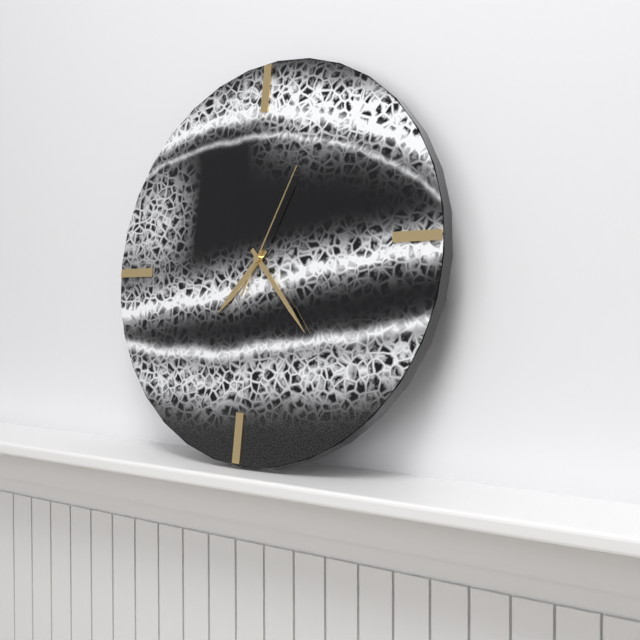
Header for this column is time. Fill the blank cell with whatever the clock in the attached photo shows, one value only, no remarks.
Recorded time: 7:23:04
